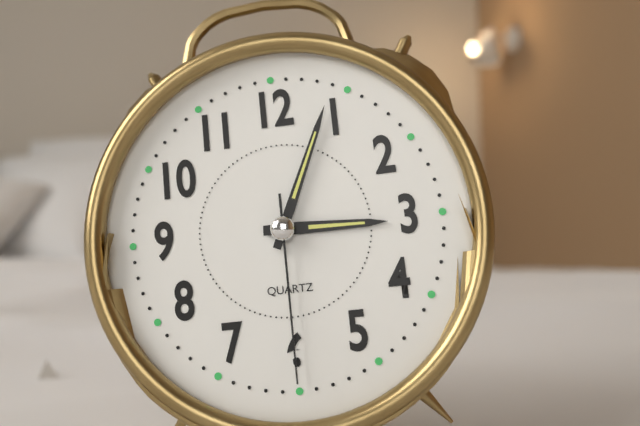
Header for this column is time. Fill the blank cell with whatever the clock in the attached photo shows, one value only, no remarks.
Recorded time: 3:04:30
